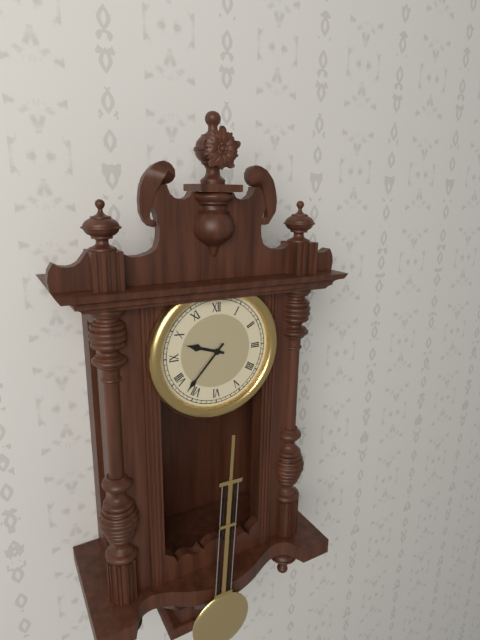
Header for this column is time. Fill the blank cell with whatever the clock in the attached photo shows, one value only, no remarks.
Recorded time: 9:37
